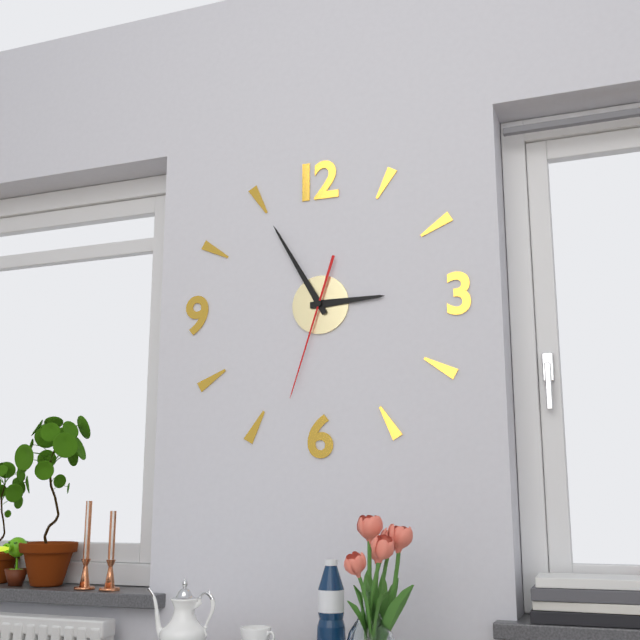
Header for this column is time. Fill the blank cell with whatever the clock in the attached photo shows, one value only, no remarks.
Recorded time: 2:55:33
